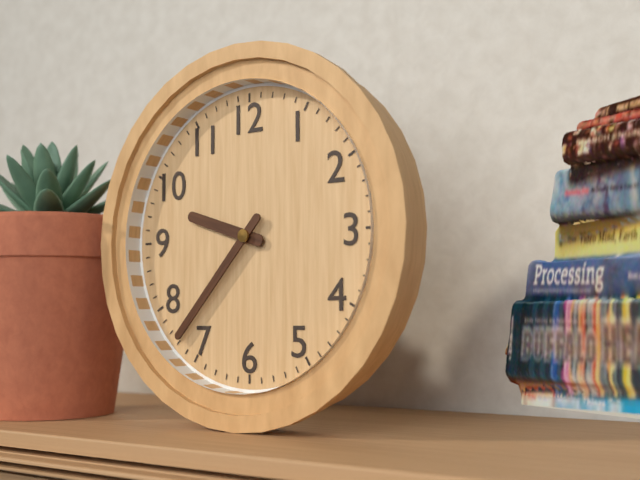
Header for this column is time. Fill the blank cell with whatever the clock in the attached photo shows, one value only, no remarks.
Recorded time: 9:37
